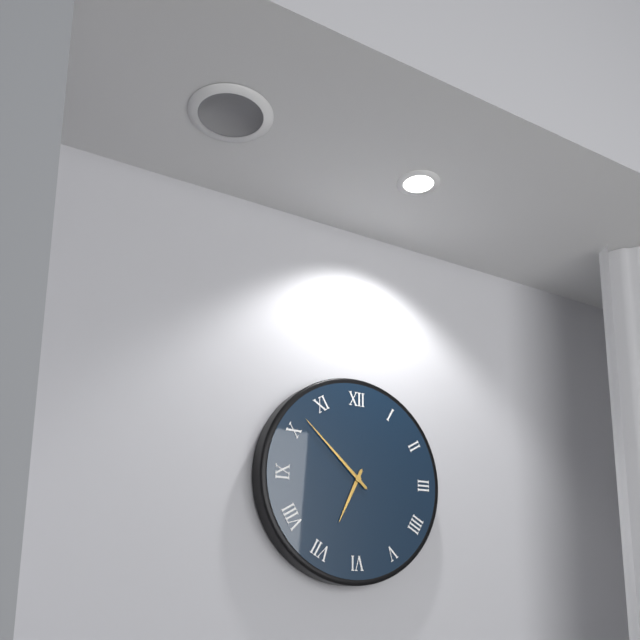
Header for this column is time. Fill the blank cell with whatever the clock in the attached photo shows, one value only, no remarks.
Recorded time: 6:52
